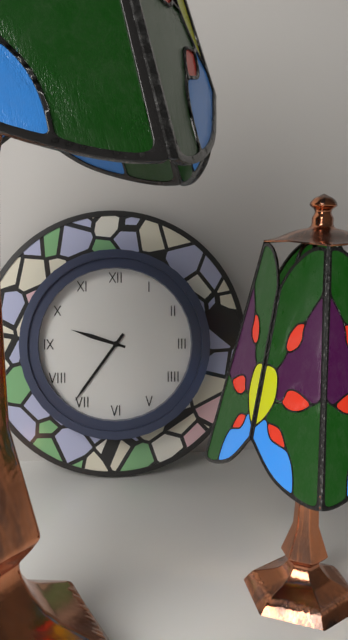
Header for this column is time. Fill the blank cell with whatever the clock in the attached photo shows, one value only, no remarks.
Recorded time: 9:36
